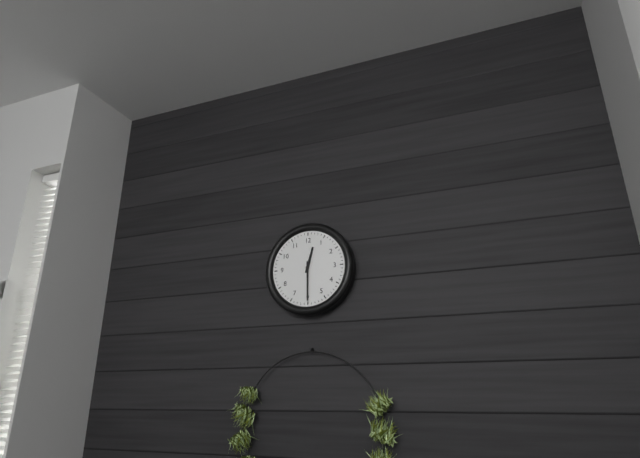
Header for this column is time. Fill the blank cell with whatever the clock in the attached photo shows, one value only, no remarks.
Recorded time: 12:30
